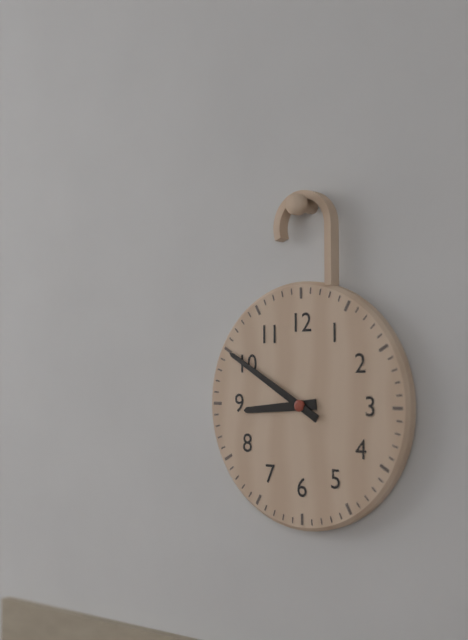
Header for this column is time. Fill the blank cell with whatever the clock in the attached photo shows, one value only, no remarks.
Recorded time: 8:50
